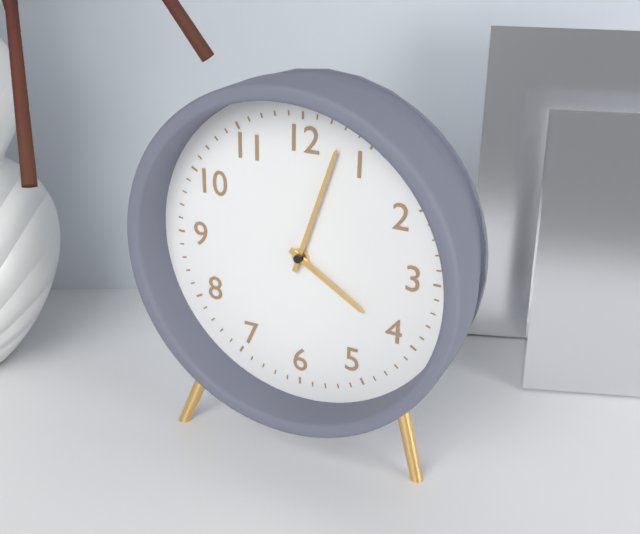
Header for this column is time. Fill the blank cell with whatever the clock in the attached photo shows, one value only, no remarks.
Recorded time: 4:03
